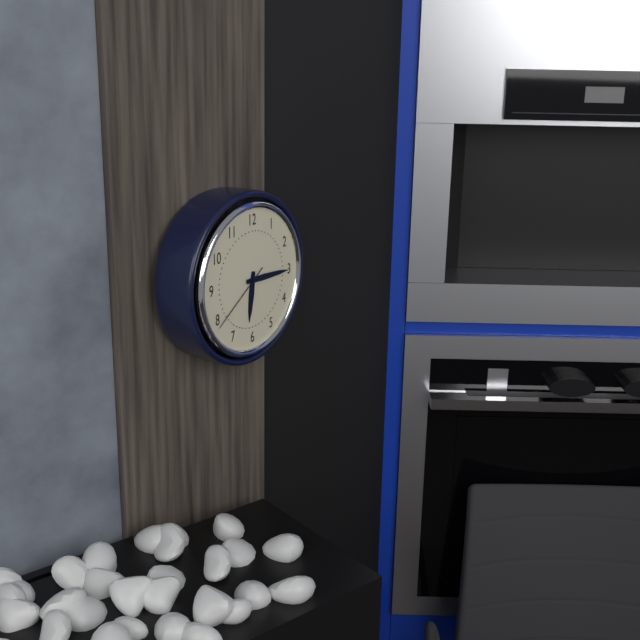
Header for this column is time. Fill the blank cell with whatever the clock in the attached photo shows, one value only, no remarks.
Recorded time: 6:15:39
